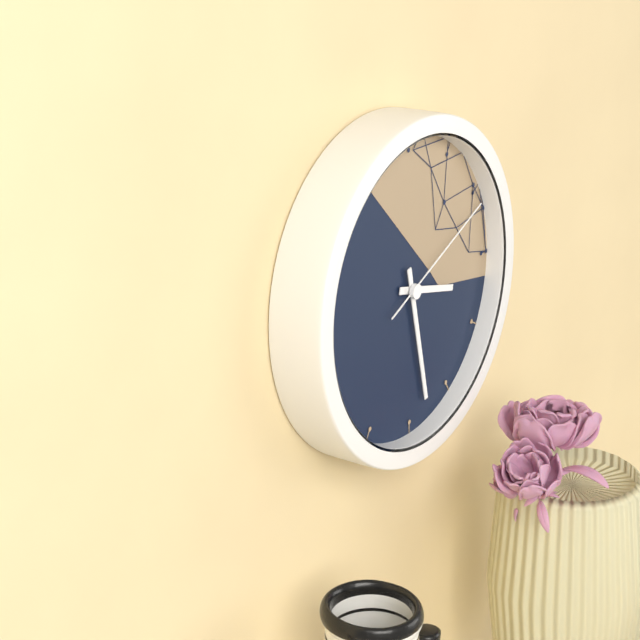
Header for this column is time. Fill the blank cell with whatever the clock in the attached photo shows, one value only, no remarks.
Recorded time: 3:28:11
